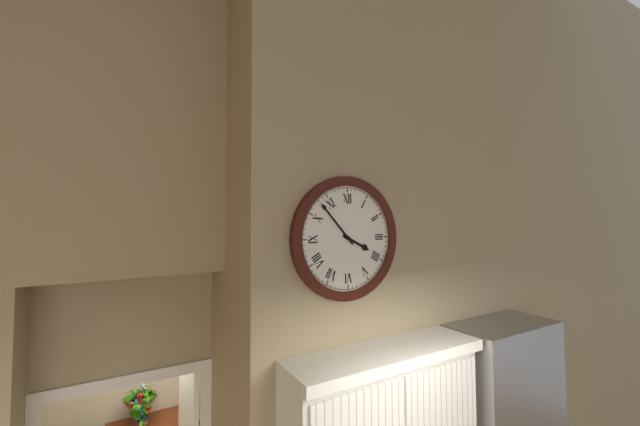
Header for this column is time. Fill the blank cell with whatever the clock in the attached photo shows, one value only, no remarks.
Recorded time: 3:53
